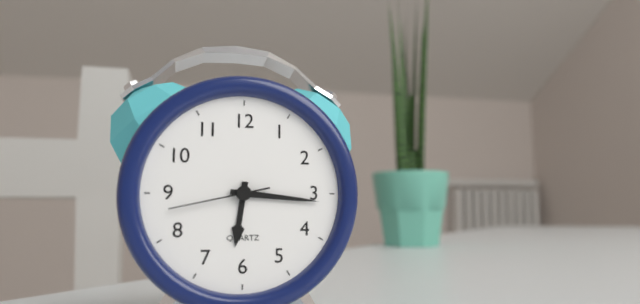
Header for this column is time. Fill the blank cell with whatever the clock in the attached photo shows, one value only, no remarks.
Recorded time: 6:16:43
